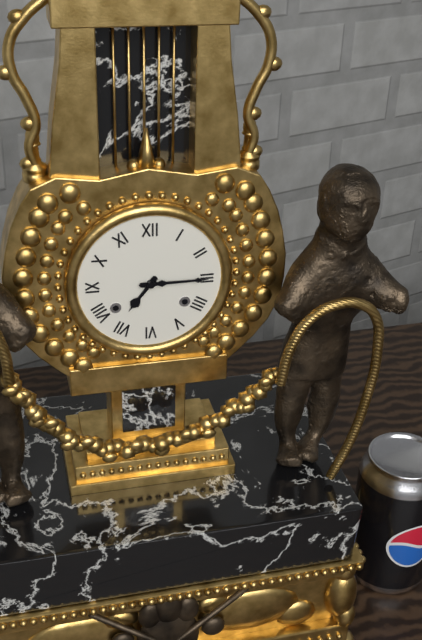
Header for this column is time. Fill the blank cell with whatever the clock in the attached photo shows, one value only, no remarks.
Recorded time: 7:15
